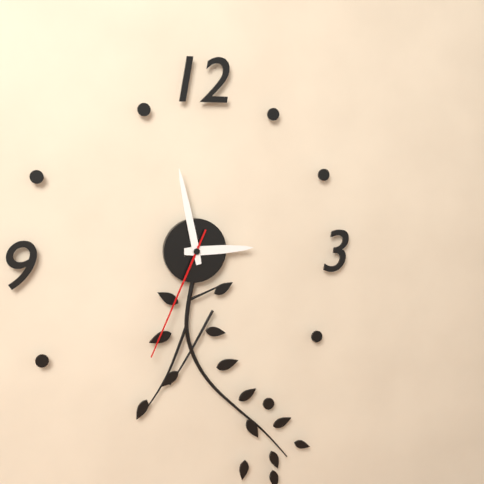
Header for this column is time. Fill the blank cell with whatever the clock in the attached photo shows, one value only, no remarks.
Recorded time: 2:58:34
